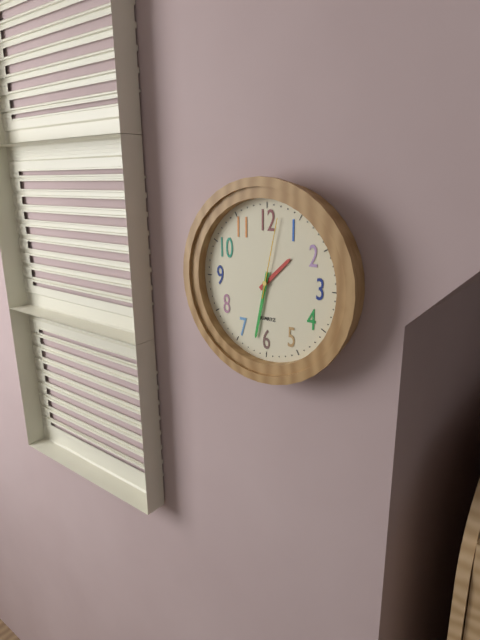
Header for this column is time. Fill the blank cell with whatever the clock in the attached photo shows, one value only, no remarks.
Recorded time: 1:32:02
